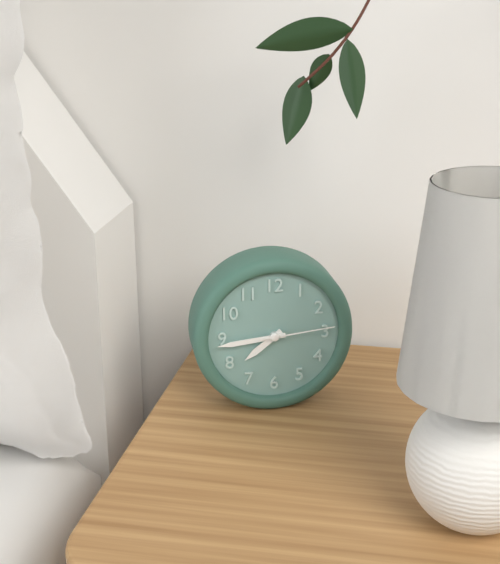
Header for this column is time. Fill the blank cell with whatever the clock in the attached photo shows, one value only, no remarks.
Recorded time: 7:44:14
